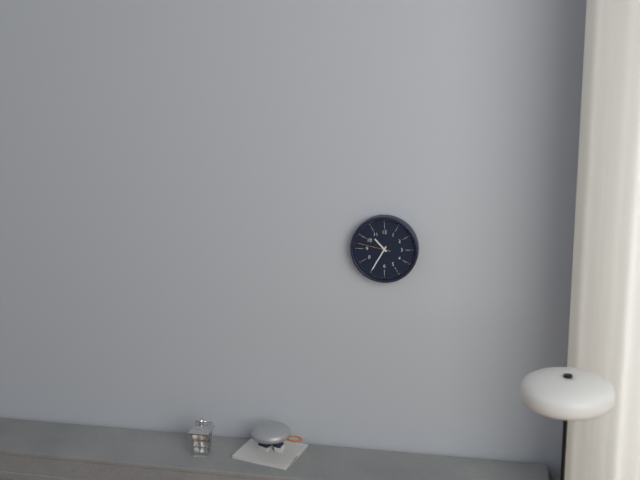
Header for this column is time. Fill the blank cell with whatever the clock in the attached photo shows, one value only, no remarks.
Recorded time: 10:35
